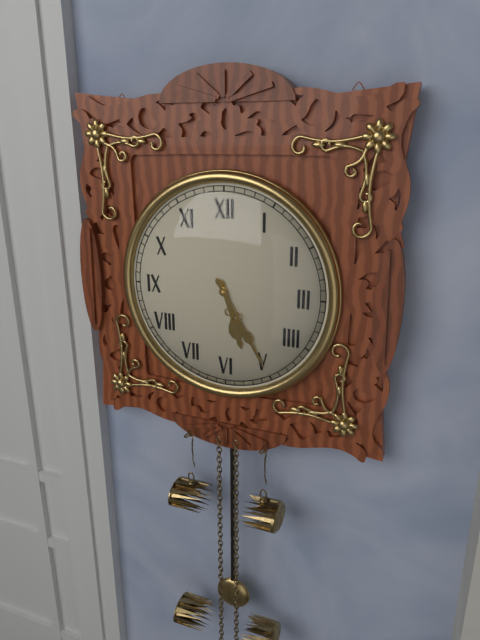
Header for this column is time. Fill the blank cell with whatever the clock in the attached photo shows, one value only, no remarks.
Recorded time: 5:25
